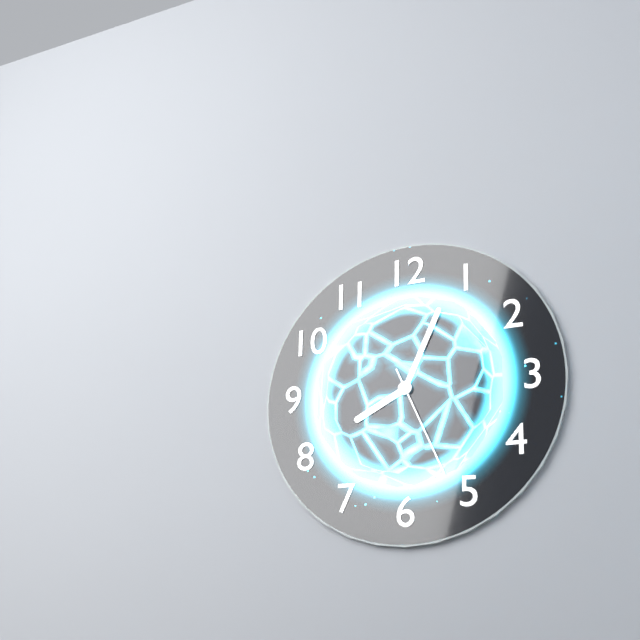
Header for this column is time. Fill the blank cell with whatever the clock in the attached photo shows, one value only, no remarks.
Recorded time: 8:04:26
